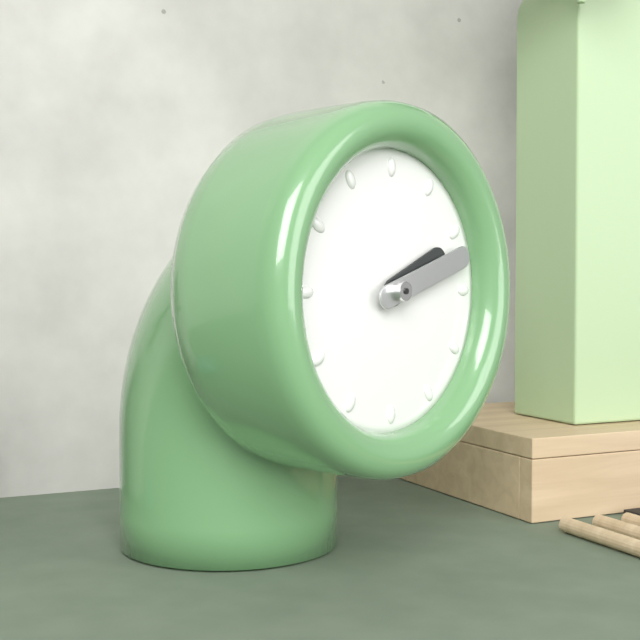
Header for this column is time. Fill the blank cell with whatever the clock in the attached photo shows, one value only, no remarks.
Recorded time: 2:12
